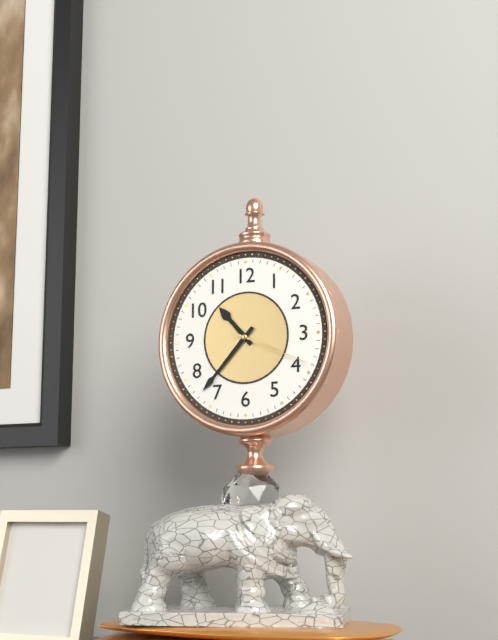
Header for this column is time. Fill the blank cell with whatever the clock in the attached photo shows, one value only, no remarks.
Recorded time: 10:37:19
